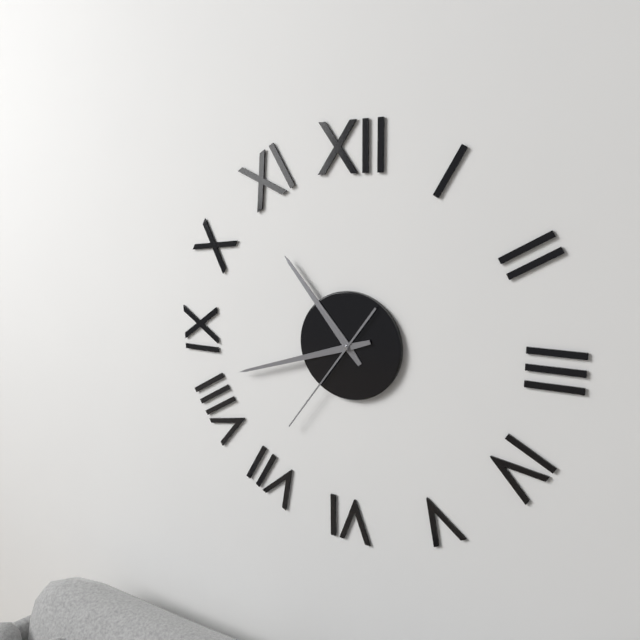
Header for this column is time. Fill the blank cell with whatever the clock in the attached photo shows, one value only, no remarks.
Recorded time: 10:42:36
